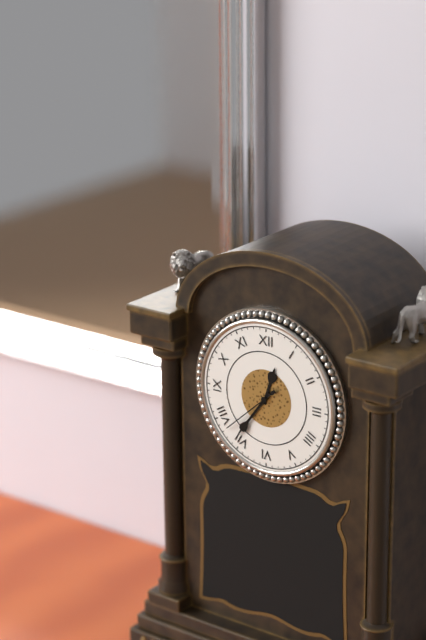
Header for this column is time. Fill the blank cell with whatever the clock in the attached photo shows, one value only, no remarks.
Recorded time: 12:36:38
